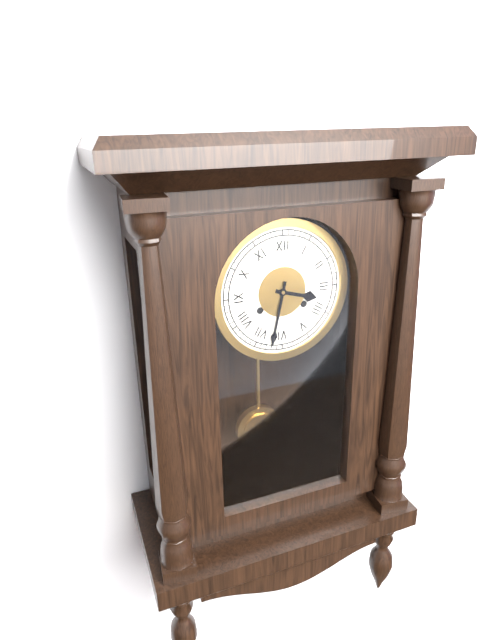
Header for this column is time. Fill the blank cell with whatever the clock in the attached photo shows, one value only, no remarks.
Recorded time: 3:32
